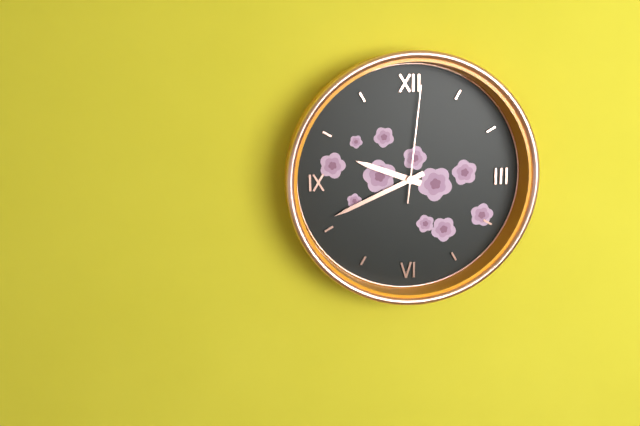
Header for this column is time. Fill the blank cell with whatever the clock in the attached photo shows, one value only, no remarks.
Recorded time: 9:41:01
